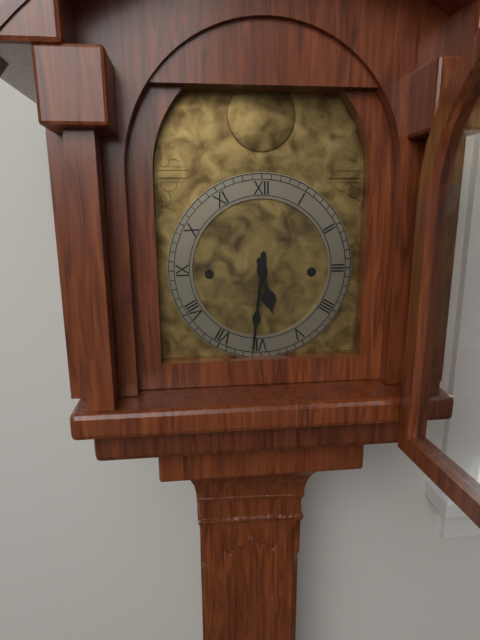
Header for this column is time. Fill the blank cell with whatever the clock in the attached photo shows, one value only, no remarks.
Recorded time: 5:31
